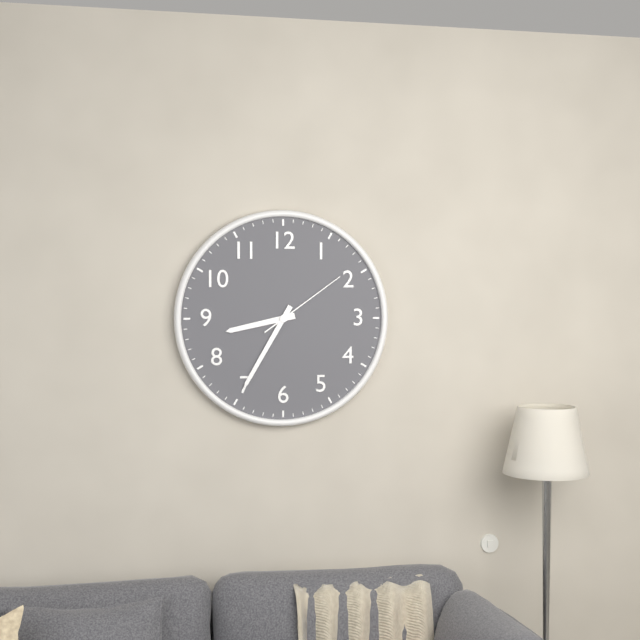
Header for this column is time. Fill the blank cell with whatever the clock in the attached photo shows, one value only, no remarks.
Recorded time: 8:35:09
